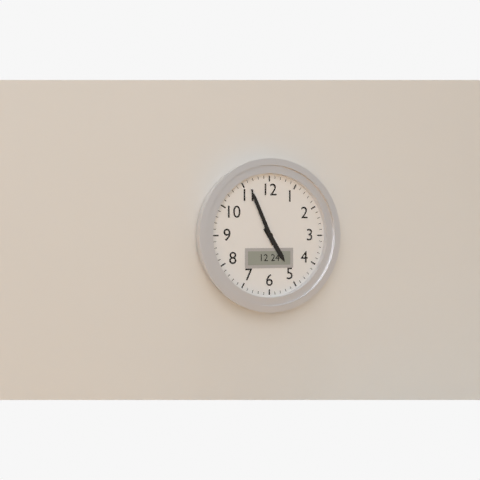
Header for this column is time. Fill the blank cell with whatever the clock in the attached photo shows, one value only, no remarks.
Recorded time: 4:56
